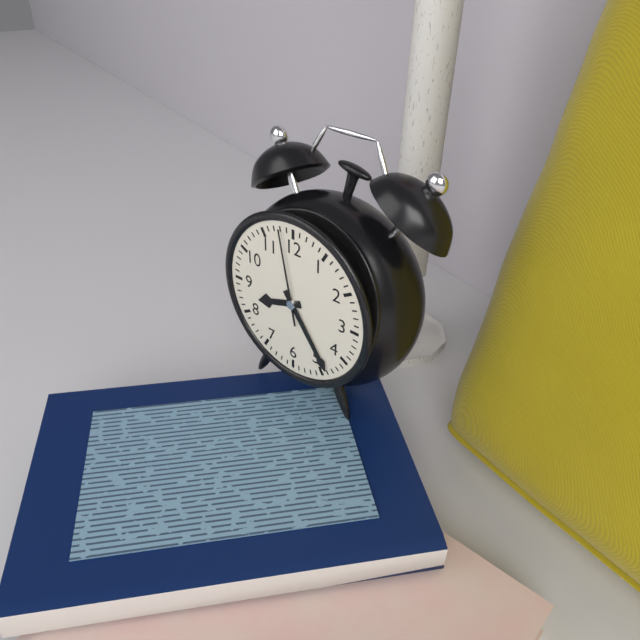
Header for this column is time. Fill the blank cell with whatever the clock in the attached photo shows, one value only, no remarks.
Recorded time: 8:24:58
